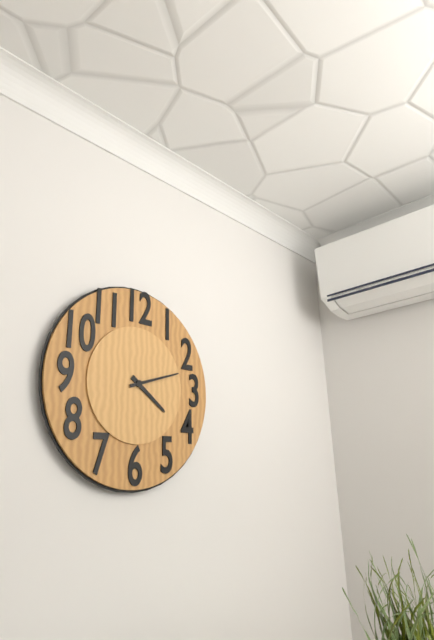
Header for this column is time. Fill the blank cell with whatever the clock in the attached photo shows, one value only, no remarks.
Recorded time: 4:12
